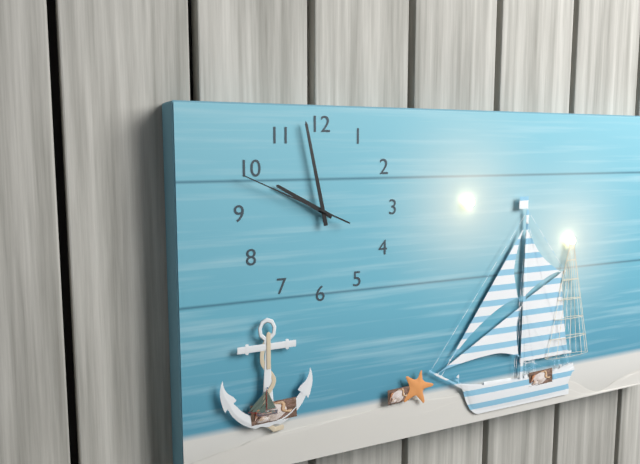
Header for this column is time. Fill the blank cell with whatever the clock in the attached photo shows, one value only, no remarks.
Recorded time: 9:58:49
